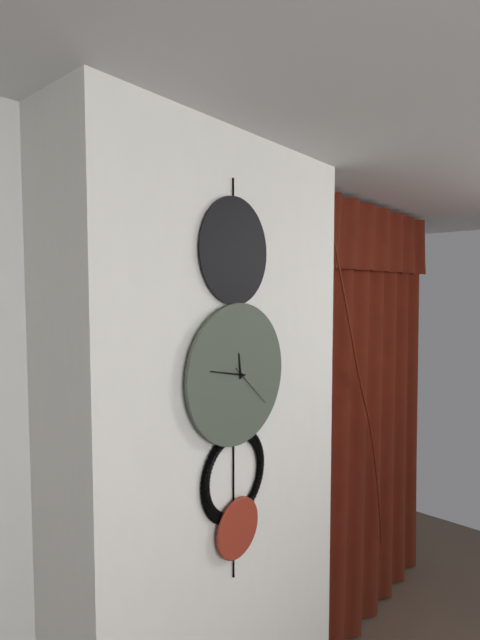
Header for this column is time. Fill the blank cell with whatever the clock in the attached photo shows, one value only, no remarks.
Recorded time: 11:47
